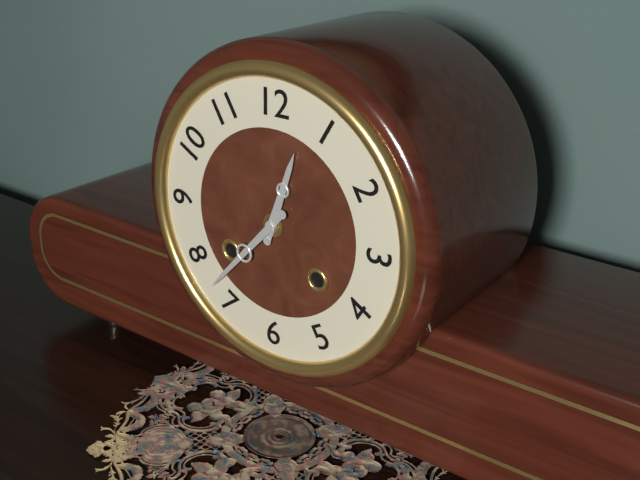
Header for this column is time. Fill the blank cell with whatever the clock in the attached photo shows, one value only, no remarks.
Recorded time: 12:37
